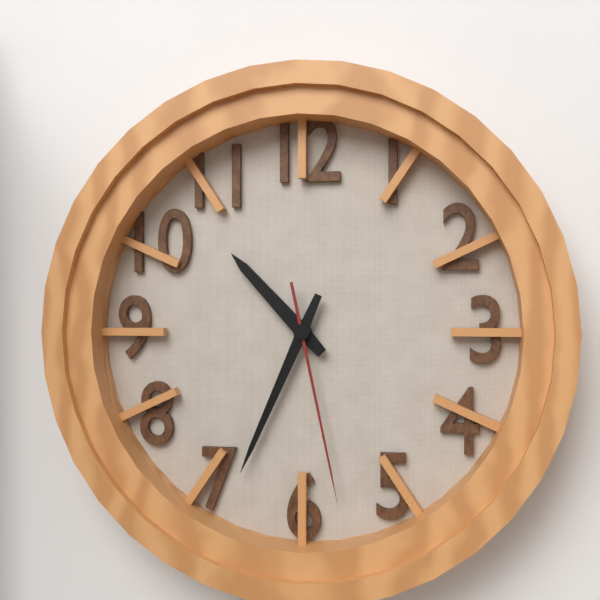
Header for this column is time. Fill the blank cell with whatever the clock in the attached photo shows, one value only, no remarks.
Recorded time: 10:34:28
